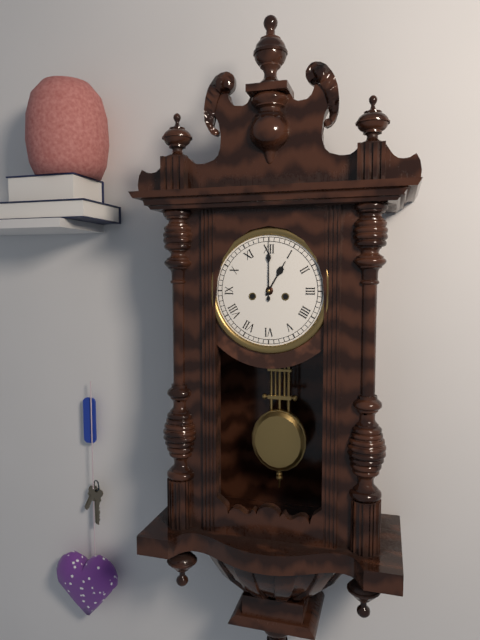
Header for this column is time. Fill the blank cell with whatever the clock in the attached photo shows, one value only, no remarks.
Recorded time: 1:00
